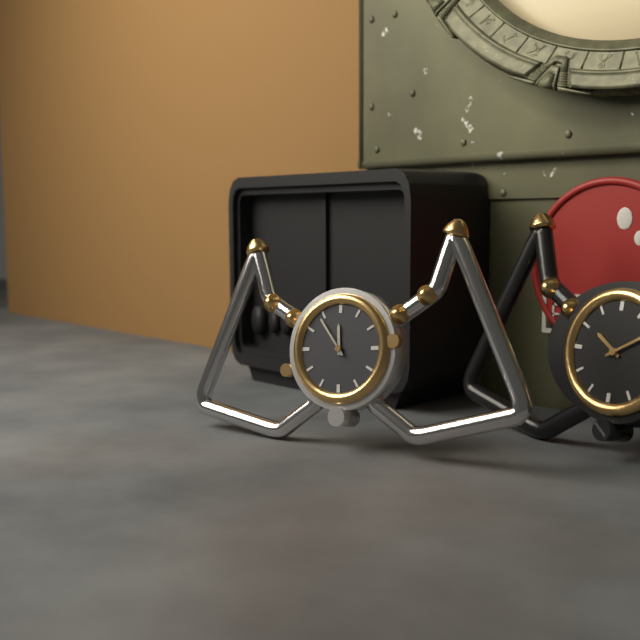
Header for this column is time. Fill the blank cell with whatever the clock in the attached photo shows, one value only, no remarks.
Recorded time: 11:54
